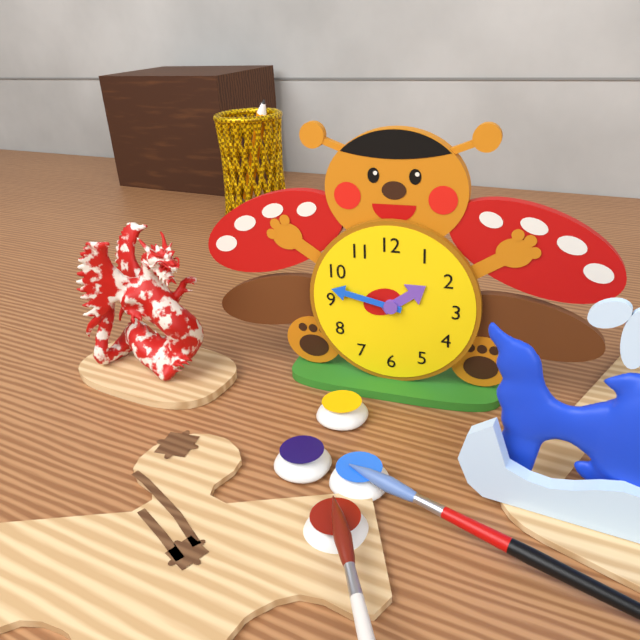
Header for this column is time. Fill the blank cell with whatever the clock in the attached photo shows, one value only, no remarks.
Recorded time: 1:47
